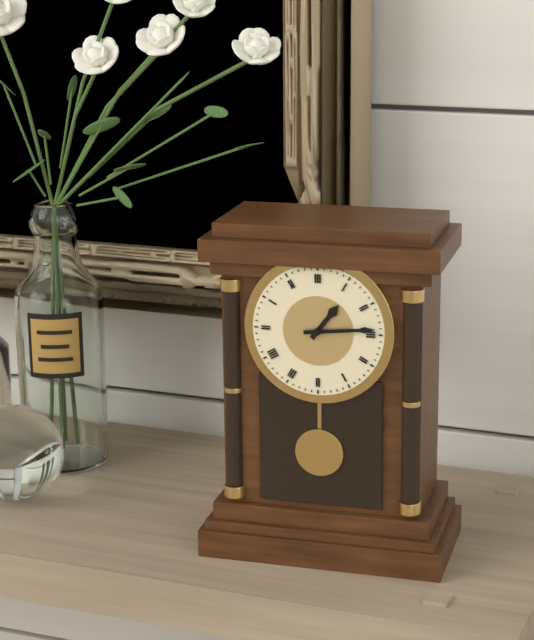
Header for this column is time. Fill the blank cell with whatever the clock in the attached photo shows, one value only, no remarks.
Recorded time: 1:14
